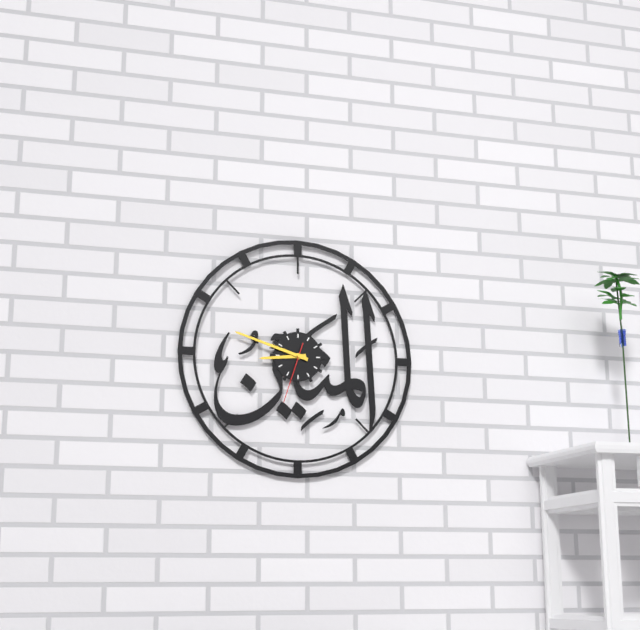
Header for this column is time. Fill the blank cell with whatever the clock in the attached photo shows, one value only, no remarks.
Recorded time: 8:48:33
